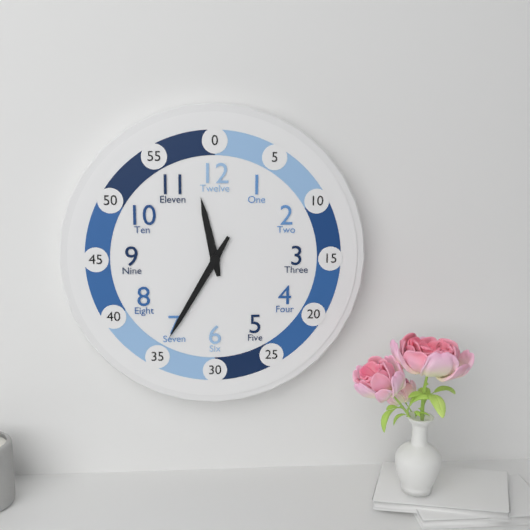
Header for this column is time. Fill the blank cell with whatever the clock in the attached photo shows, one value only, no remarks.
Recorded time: 11:35
